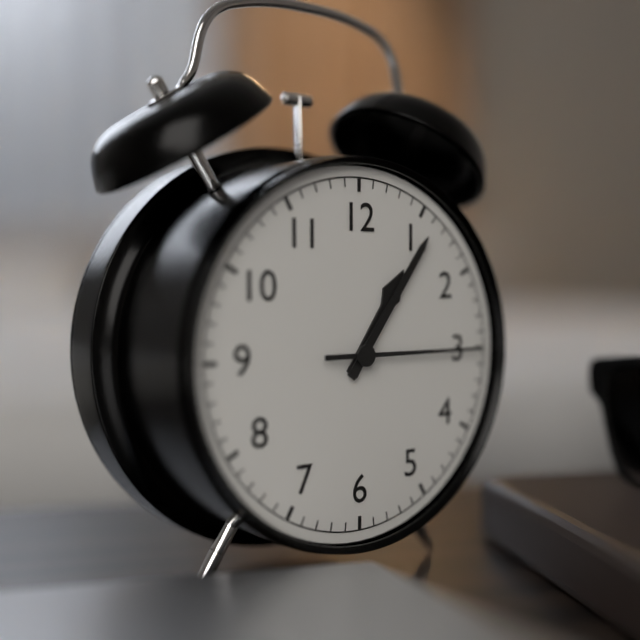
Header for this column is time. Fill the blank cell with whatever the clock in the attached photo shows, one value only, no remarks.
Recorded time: 1:06:15
